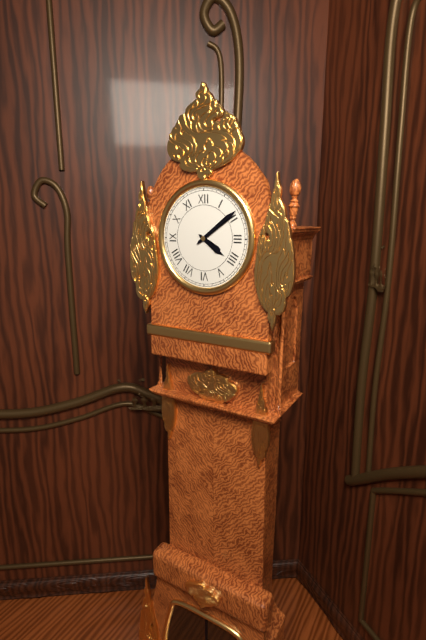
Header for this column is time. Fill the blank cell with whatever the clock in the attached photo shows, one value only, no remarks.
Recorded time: 4:09
